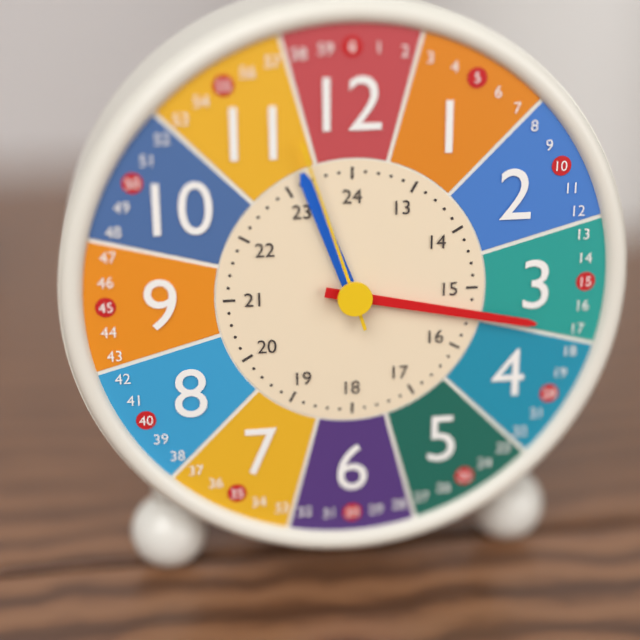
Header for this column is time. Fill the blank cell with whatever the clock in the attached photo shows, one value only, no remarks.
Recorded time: 11:17:57
